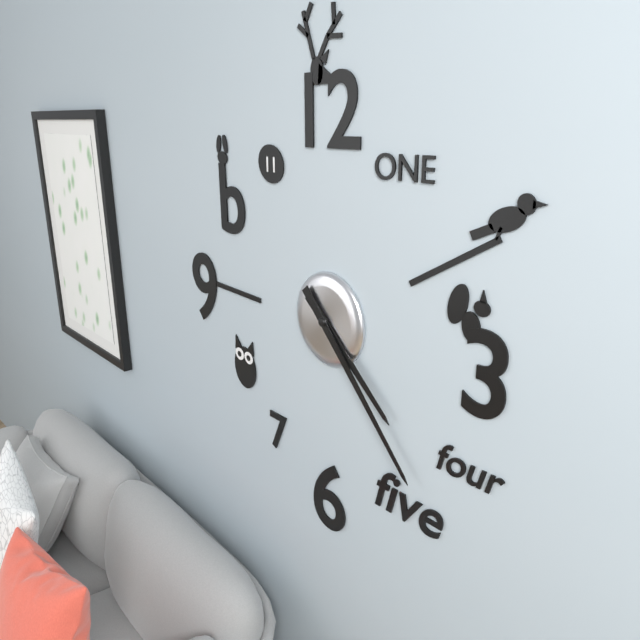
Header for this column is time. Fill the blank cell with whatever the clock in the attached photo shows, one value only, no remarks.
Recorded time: 4:23
